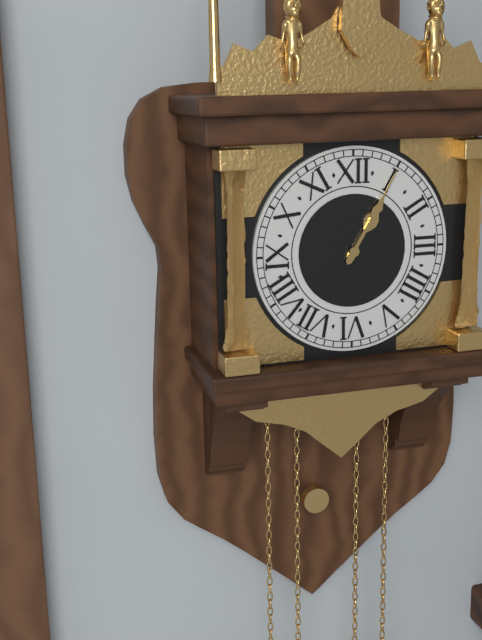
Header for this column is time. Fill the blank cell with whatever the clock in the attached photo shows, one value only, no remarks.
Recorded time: 1:05
